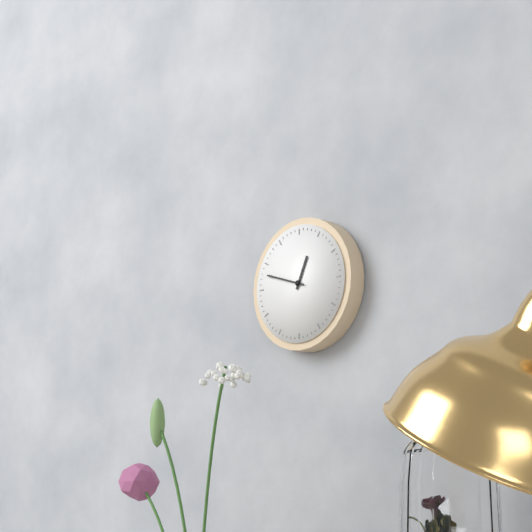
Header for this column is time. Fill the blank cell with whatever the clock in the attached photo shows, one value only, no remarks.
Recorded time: 12:48
